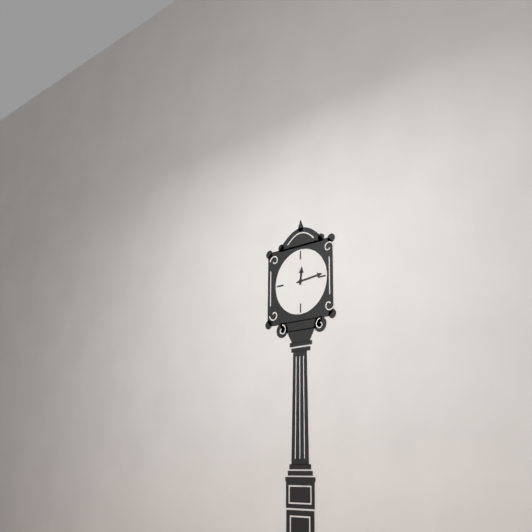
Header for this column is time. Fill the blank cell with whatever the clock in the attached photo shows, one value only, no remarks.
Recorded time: 12:14
